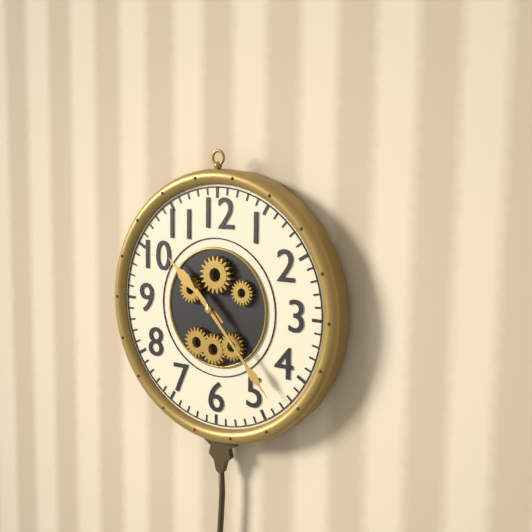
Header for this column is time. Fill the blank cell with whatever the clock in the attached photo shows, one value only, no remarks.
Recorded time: 10:23
